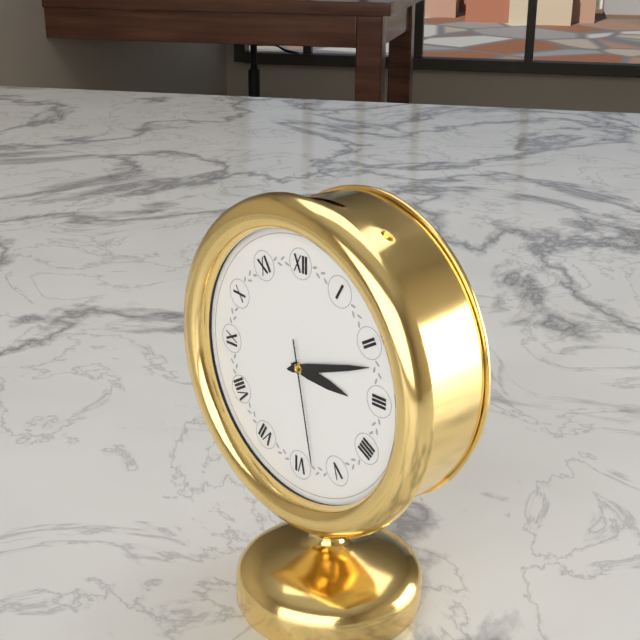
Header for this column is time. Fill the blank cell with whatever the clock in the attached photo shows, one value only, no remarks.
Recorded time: 3:12:28
